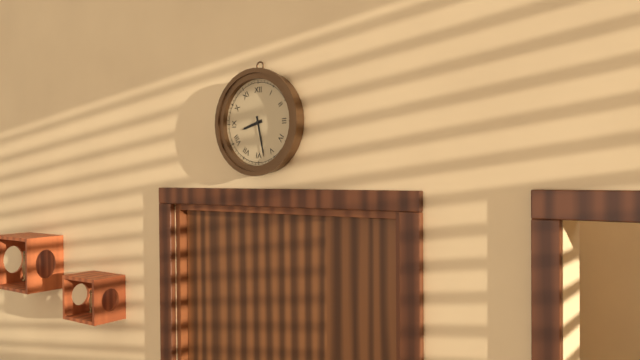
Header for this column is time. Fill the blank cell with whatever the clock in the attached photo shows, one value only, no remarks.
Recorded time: 8:28
